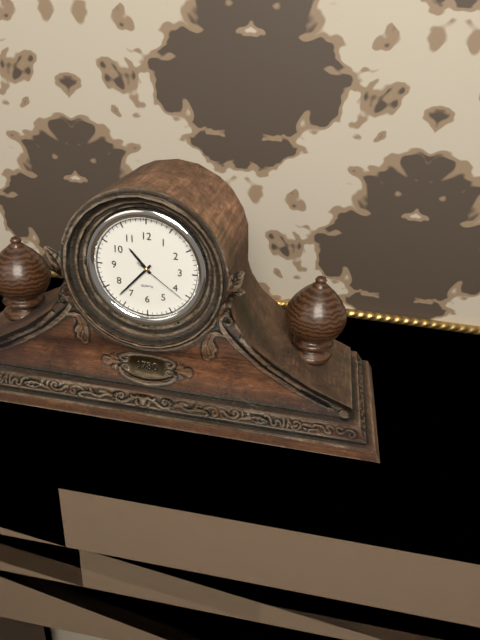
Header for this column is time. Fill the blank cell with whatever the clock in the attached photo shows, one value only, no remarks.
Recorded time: 10:37:21
